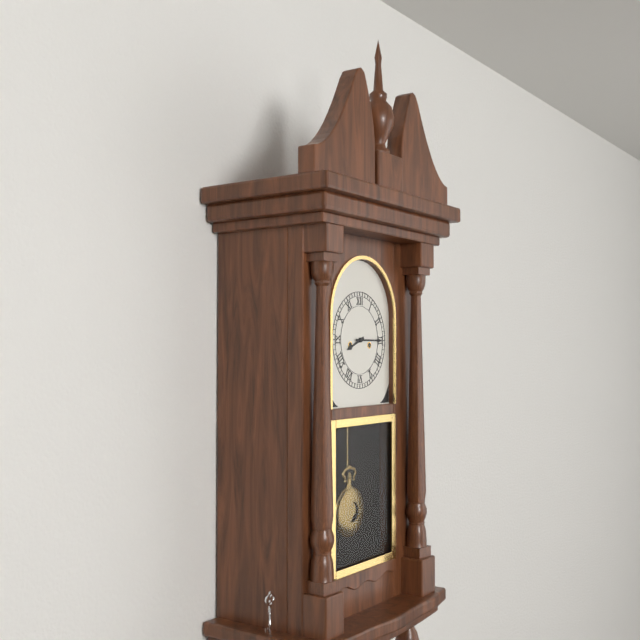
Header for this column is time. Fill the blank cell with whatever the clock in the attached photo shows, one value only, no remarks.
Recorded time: 8:15
